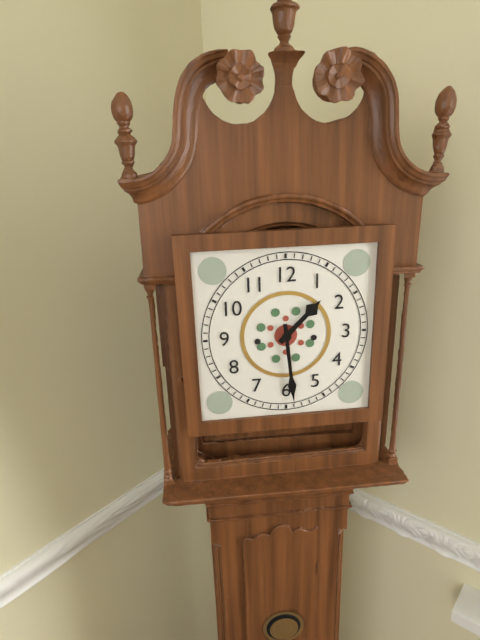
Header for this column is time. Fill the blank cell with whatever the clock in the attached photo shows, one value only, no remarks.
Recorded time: 1:29
